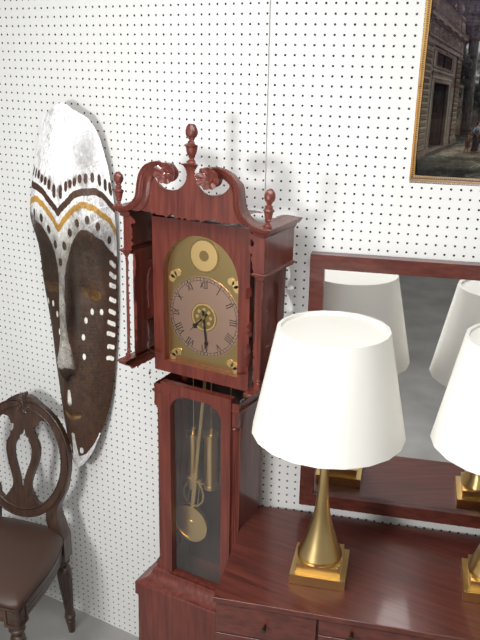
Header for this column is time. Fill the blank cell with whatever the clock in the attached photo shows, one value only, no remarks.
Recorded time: 7:29
